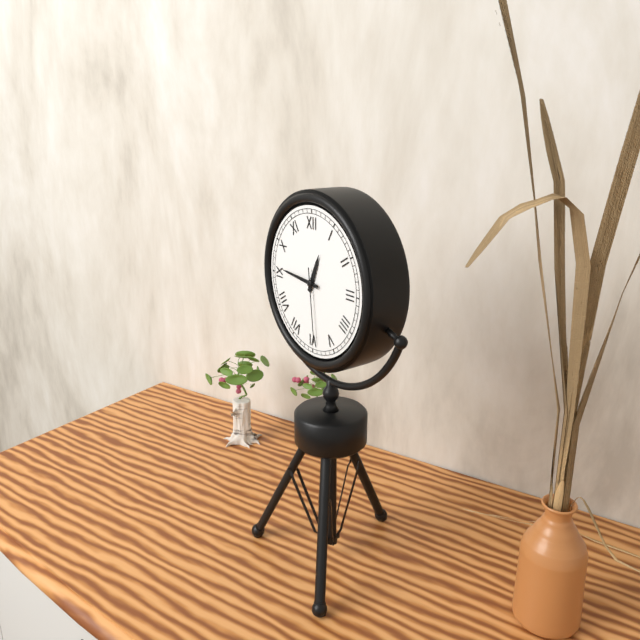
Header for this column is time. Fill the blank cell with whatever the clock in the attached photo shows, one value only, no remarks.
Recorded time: 12:46:29
